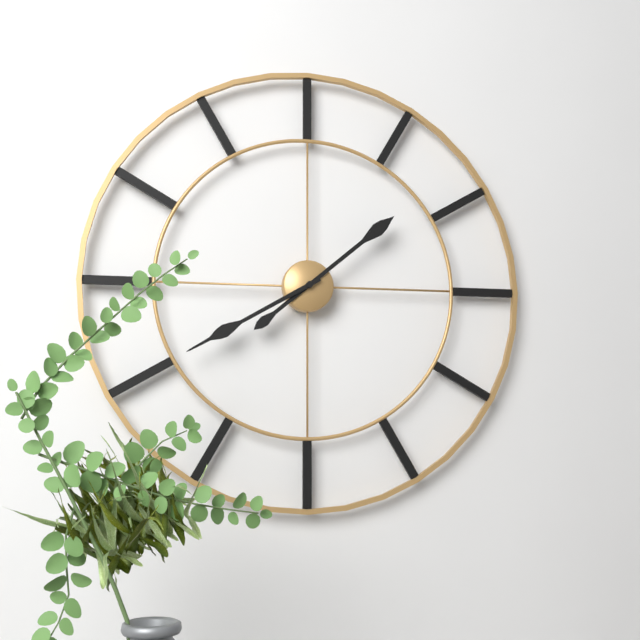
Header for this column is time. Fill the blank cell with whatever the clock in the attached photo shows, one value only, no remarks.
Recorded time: 1:40
